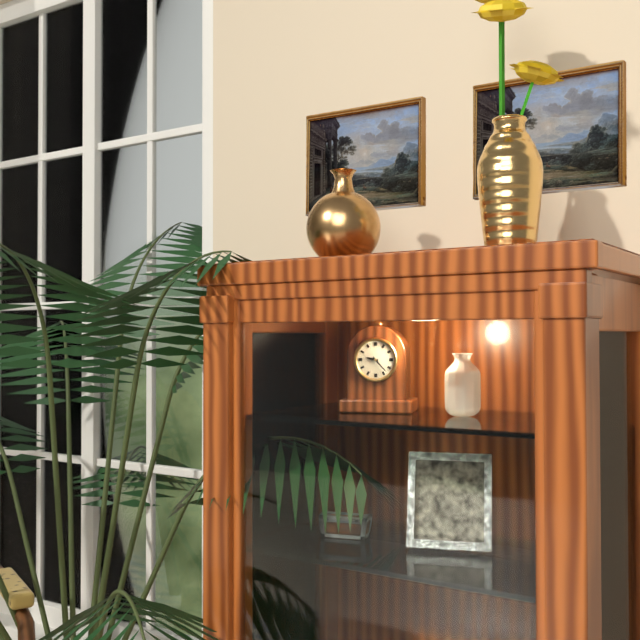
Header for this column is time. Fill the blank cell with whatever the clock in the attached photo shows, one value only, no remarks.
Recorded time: 9:23
